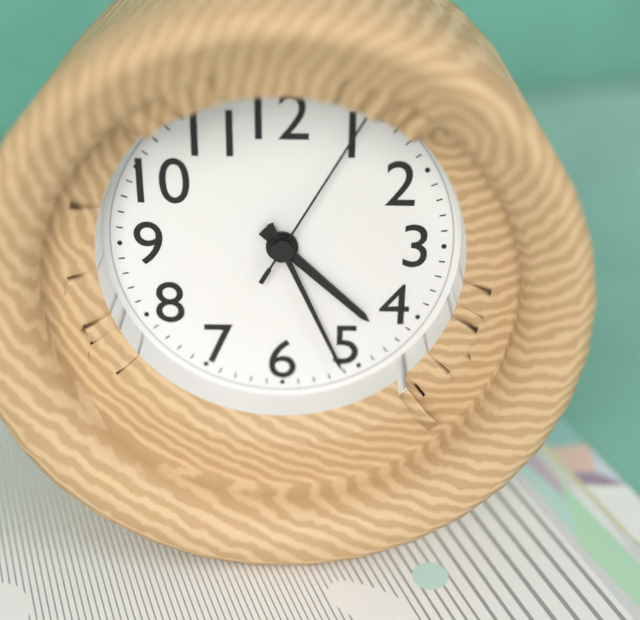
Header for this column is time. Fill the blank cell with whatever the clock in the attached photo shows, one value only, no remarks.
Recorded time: 4:26:05
